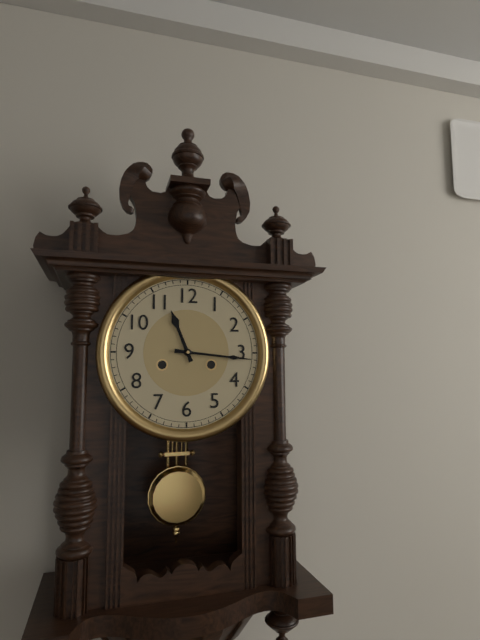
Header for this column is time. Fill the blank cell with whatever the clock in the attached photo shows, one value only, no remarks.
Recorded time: 11:16
